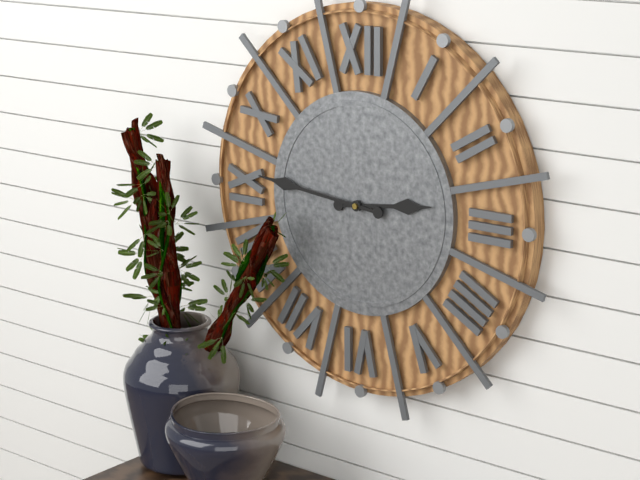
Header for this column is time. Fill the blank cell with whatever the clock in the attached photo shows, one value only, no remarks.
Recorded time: 2:46
